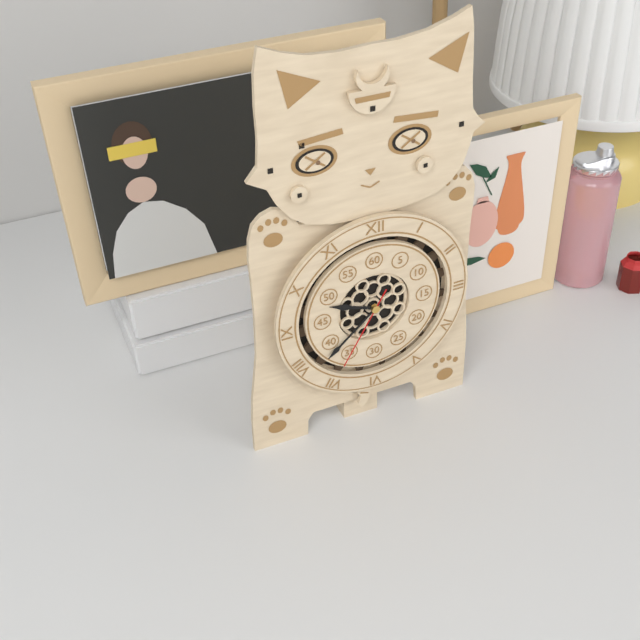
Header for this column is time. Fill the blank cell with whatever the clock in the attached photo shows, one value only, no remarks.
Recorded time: 9:38:35
